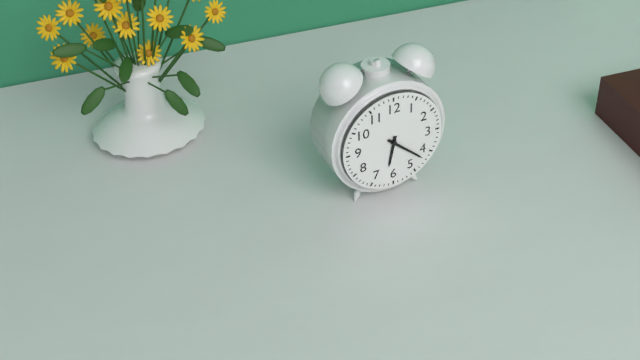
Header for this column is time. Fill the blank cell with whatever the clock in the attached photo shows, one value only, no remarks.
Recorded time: 6:22
